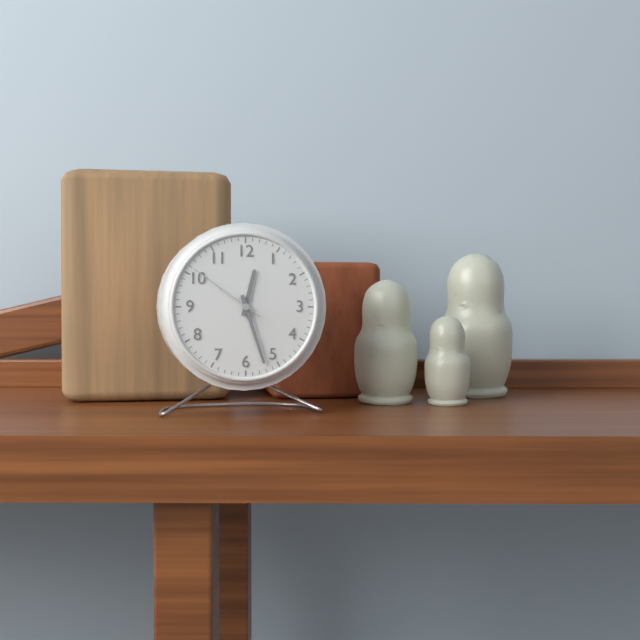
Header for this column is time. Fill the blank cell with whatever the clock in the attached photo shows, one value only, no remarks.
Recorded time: 12:27:51
